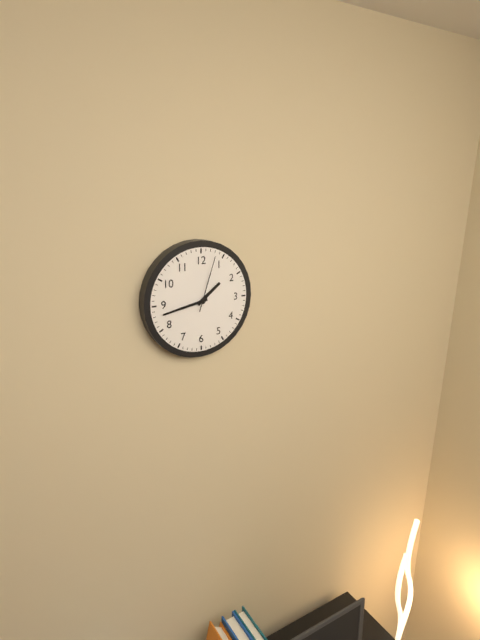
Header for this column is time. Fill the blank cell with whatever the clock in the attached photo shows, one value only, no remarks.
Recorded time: 1:43:03
